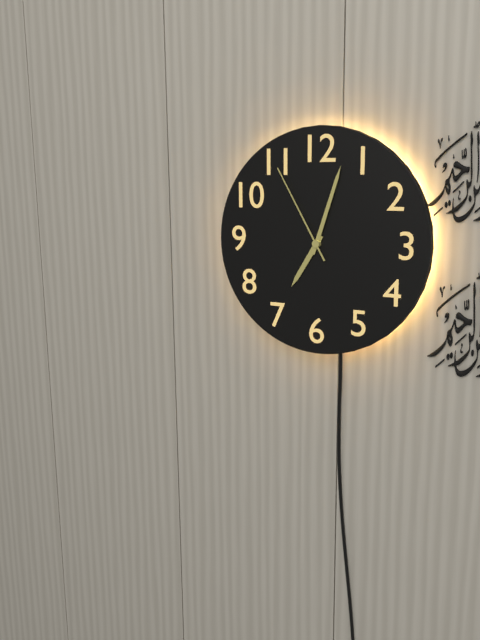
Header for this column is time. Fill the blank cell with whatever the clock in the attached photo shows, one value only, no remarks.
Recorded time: 7:03:55
